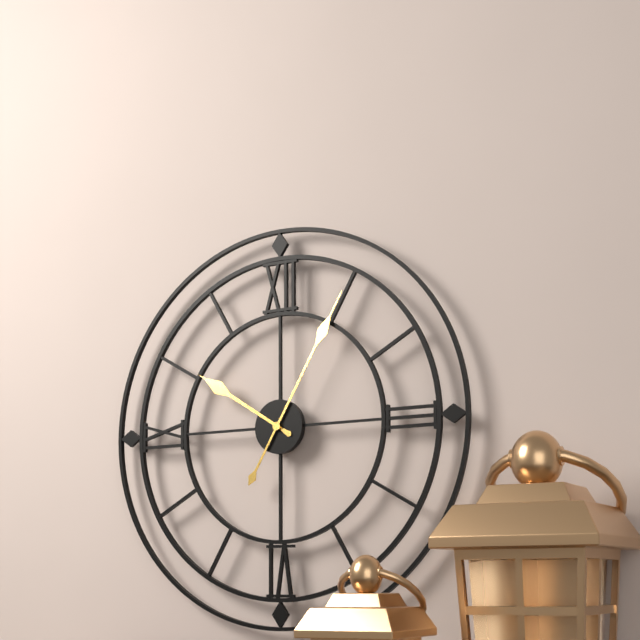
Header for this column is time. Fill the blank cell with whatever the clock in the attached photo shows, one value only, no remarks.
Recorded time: 10:05
